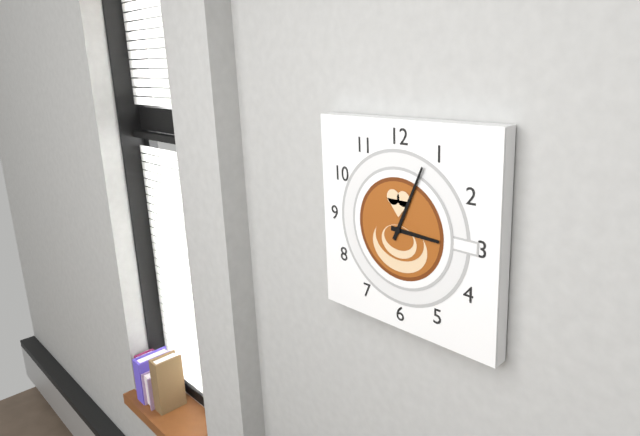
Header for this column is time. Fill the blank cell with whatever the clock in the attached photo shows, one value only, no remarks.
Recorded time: 3:04
